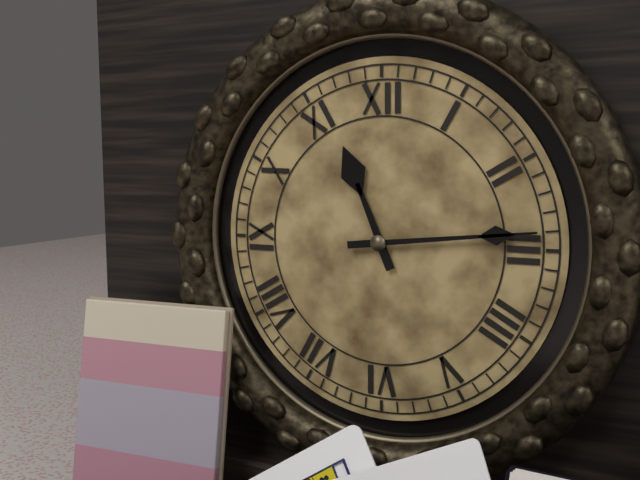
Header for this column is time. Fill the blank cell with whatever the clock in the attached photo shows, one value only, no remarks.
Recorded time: 11:14
